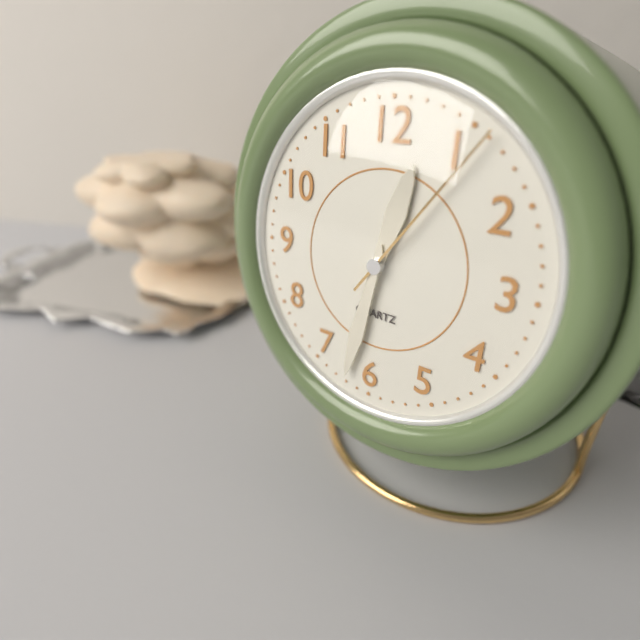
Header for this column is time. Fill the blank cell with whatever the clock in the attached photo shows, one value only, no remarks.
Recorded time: 12:32:06
